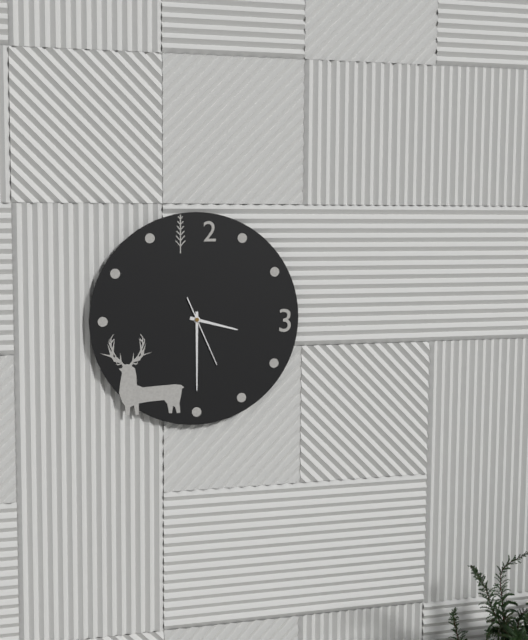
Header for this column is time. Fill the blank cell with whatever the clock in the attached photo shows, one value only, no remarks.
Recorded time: 3:30:26
